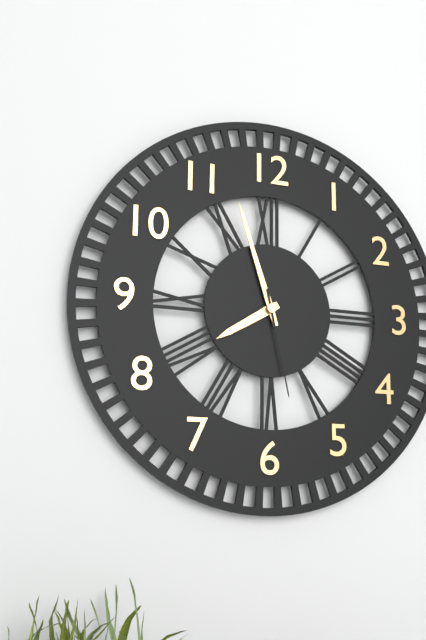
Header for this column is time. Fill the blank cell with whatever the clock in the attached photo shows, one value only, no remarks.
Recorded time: 7:57:28
